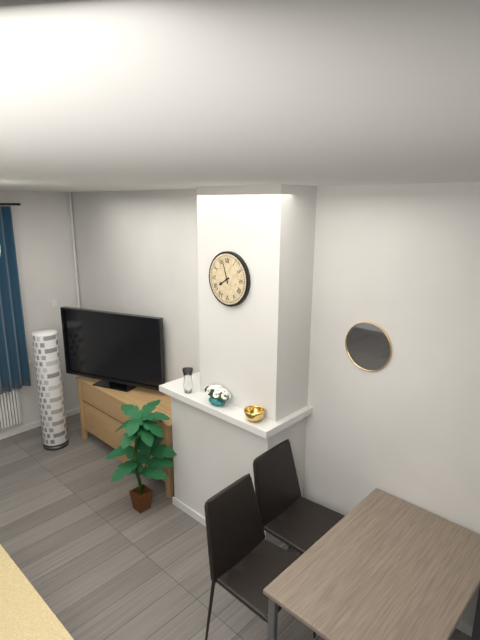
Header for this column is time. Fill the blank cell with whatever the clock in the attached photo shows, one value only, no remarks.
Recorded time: 7:57
